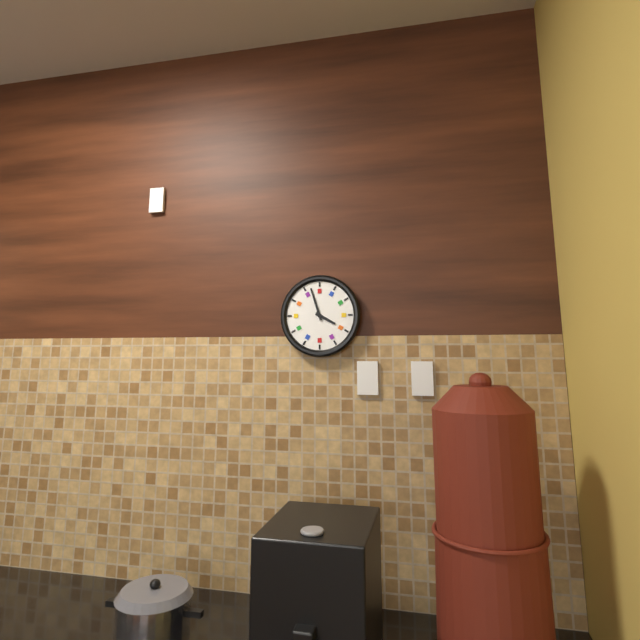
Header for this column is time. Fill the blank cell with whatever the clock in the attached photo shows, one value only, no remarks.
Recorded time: 3:57
